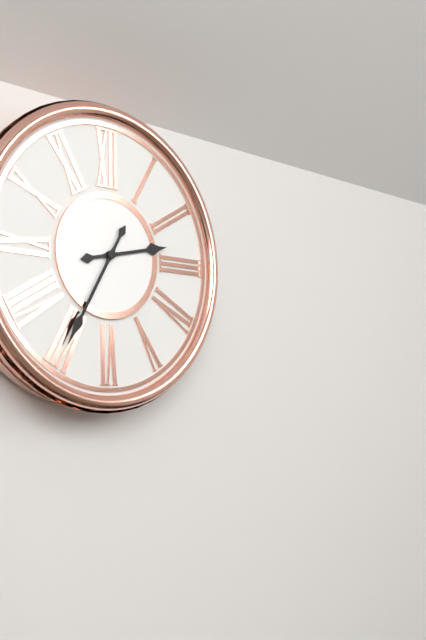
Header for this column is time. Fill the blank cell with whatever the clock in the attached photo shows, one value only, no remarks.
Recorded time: 2:35
